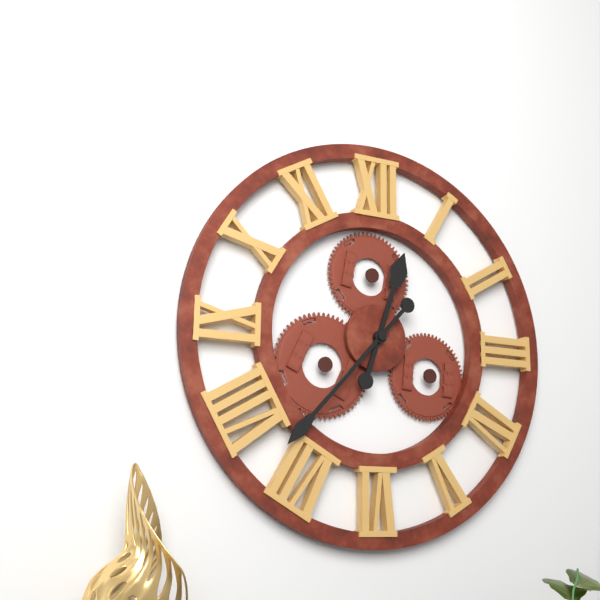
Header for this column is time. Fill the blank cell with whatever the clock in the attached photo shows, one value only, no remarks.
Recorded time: 12:37
